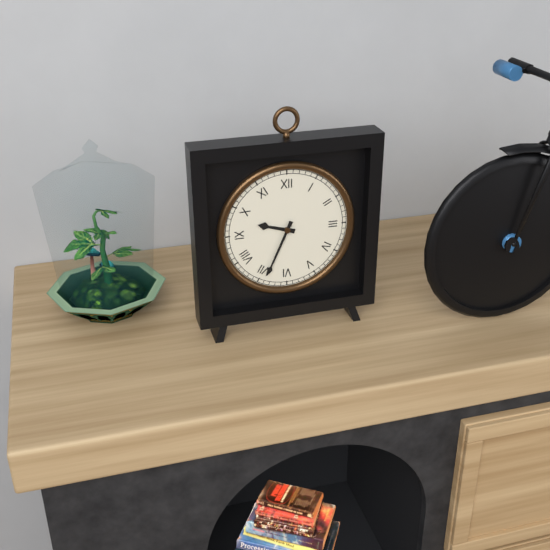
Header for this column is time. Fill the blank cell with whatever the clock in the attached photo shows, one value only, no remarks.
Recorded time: 9:34
